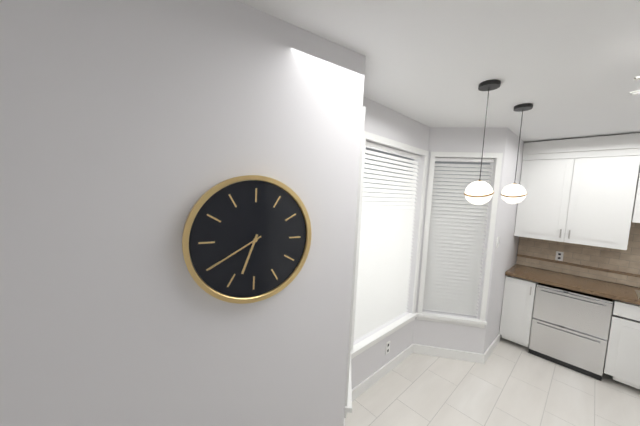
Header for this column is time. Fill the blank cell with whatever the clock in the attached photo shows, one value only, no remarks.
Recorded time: 6:40
